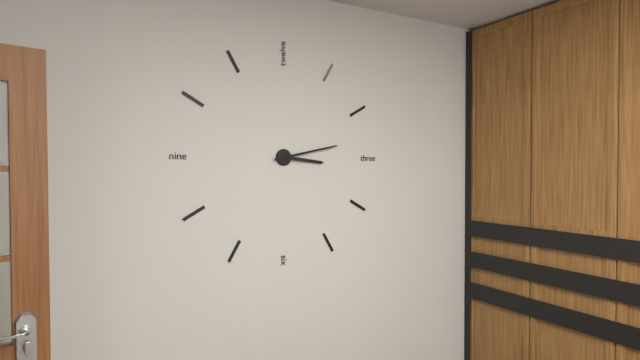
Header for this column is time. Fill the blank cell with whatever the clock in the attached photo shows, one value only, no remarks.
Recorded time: 3:13
